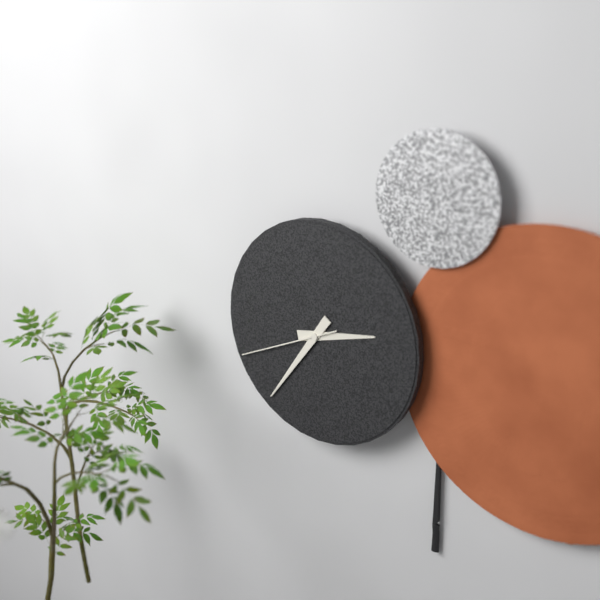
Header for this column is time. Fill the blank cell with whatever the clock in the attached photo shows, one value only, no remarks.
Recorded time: 2:36:41
